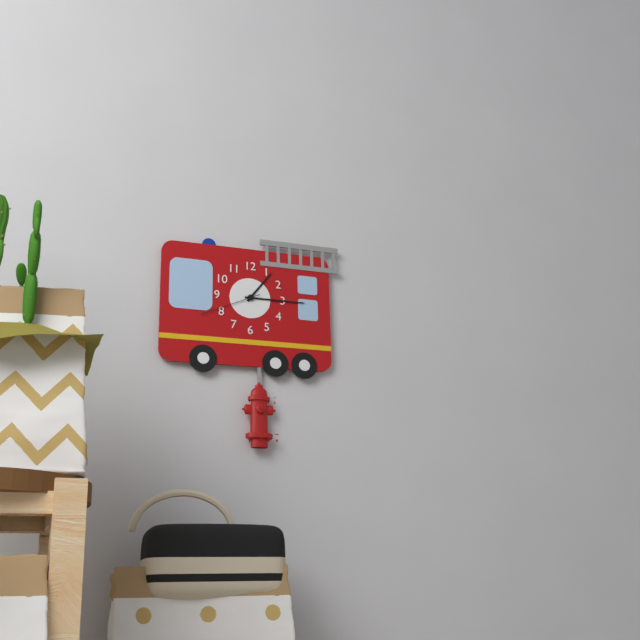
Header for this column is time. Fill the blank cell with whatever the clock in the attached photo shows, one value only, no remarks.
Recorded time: 1:15:41
